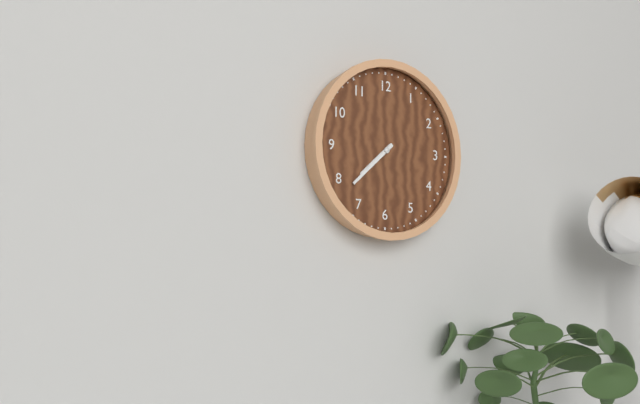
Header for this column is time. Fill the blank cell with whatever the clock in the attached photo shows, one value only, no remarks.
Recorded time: 7:38
